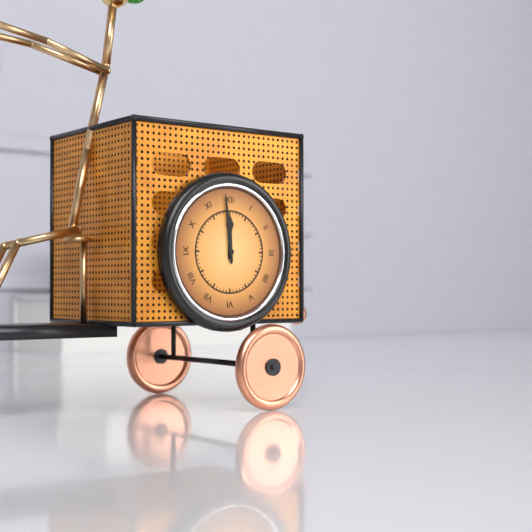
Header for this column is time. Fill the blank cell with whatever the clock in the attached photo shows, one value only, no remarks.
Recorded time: 11:59
